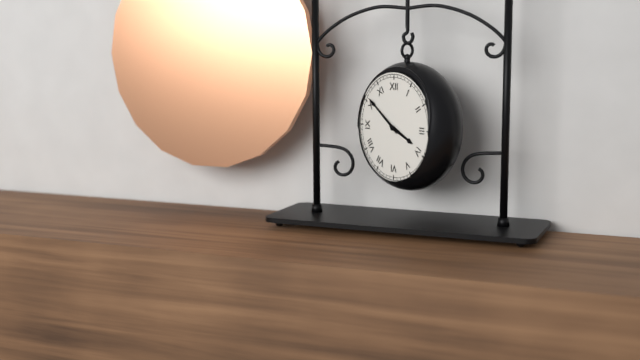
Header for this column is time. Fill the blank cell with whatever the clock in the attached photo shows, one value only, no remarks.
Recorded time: 3:51
